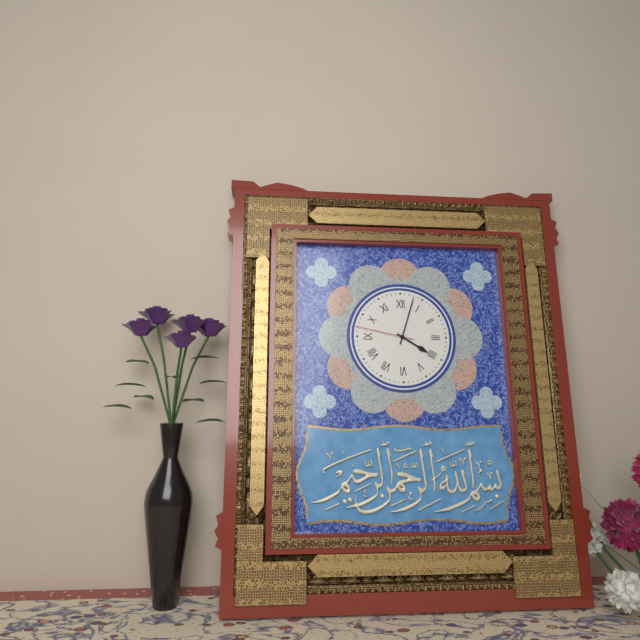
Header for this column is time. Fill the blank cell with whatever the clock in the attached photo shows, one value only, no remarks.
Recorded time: 4:03:47
